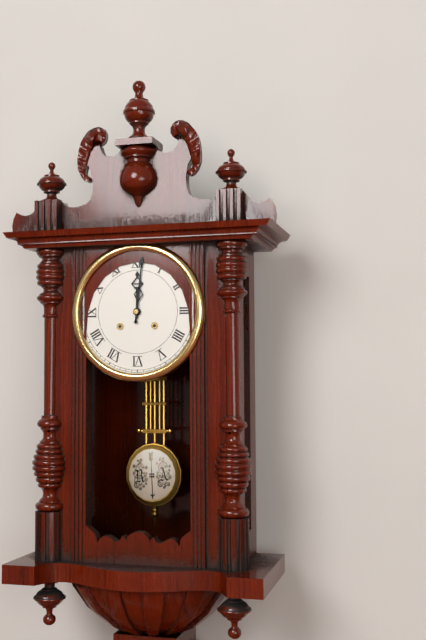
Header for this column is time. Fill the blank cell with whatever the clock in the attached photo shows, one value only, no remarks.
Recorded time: 12:01
